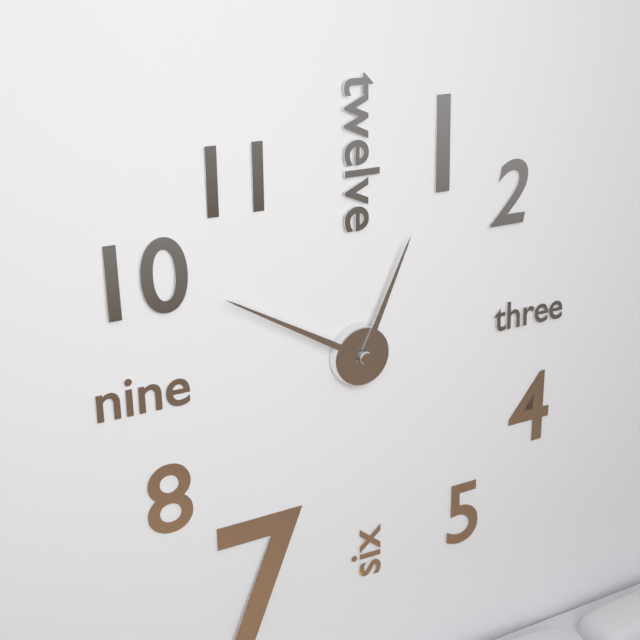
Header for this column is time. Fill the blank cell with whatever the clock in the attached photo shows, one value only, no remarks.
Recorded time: 12:50
